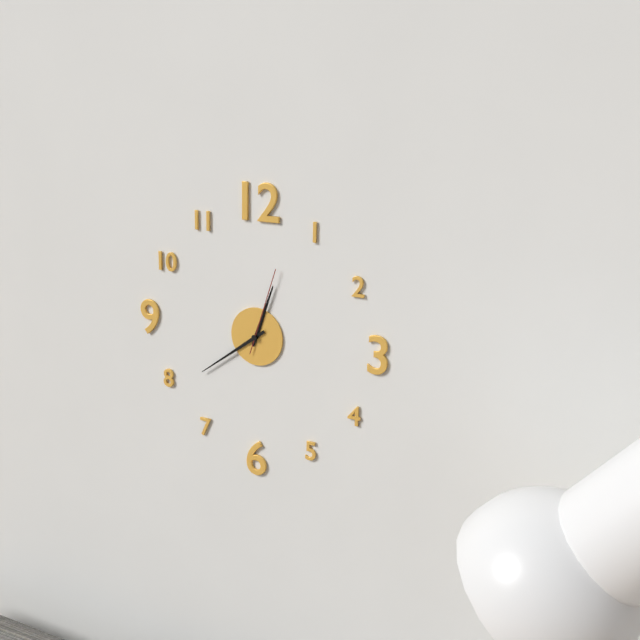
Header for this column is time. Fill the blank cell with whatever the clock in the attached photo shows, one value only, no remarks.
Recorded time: 12:39:03
